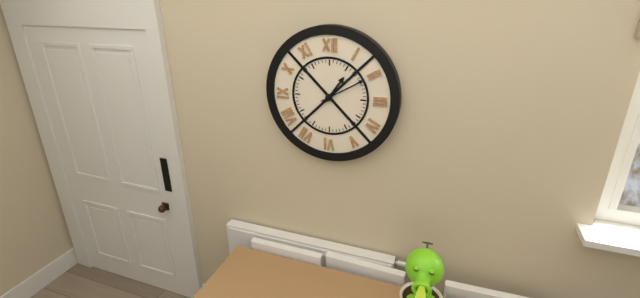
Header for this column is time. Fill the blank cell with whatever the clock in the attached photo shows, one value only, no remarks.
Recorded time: 1:10
